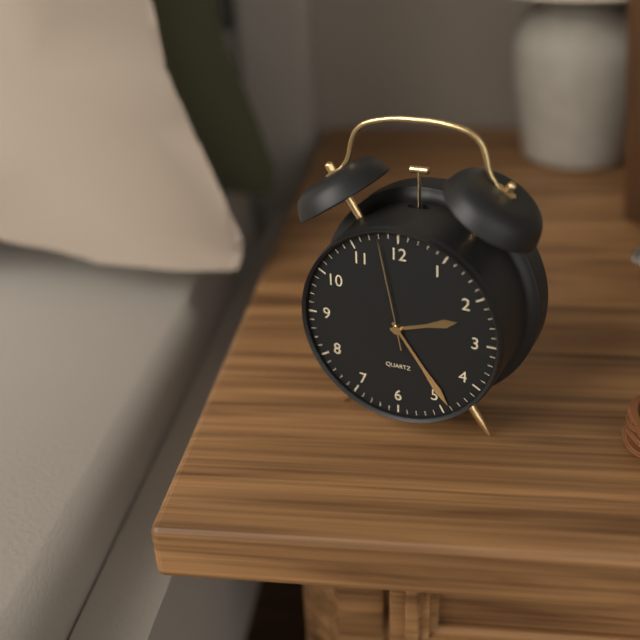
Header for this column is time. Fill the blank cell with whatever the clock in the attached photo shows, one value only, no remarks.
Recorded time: 2:24:58
